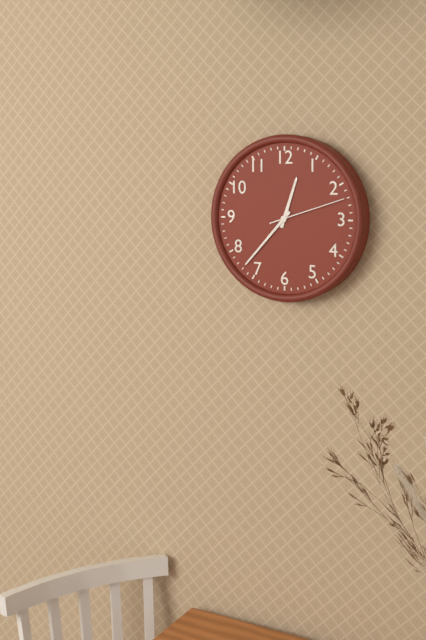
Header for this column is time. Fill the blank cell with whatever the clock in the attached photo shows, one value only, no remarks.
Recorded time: 12:37:12
